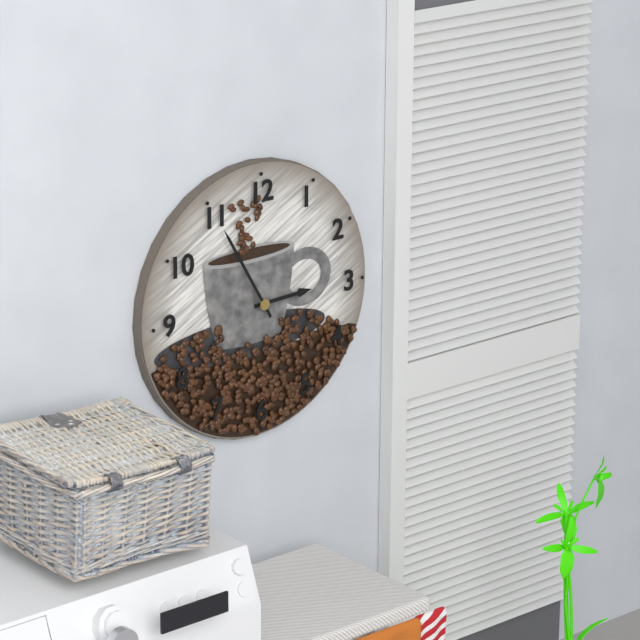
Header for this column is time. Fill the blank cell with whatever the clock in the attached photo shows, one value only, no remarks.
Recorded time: 2:55
